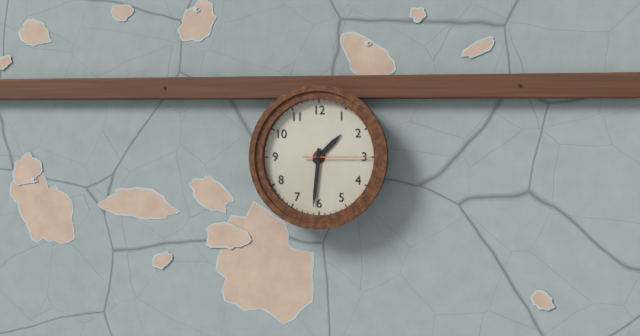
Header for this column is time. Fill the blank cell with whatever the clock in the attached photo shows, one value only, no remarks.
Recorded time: 1:31:15
